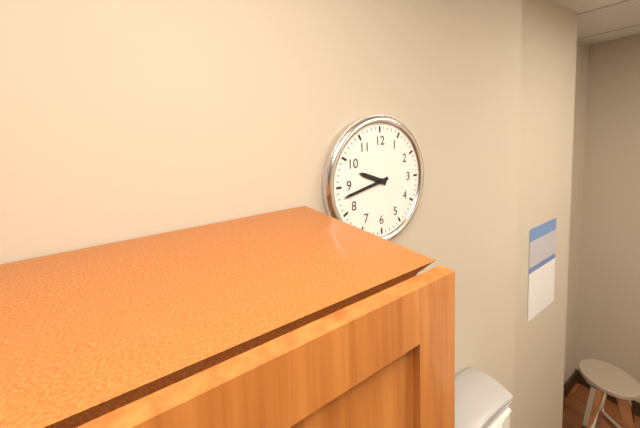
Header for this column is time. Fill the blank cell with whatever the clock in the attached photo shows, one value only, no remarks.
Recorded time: 9:43
